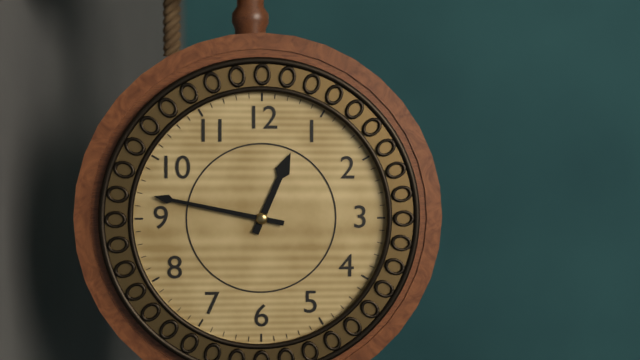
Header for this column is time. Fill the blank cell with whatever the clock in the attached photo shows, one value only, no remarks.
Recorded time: 12:47
